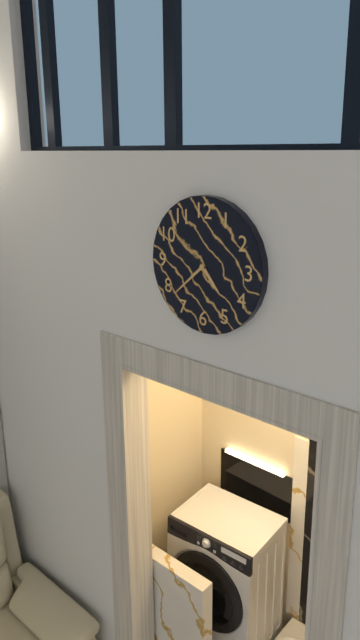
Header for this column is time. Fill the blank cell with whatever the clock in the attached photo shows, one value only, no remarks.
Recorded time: 4:38
